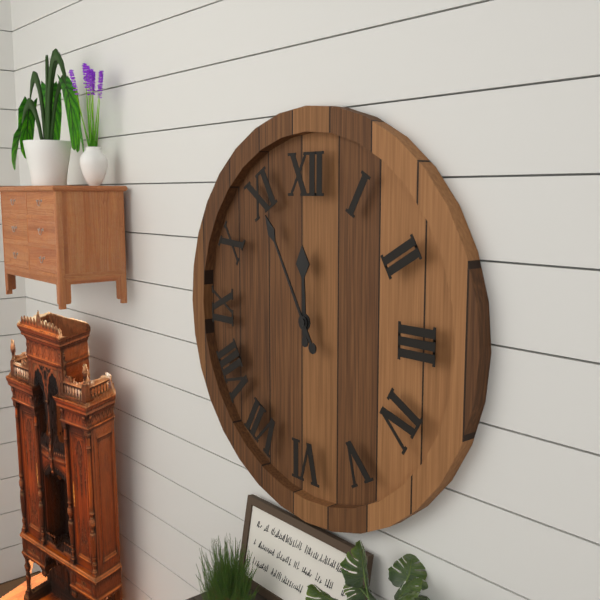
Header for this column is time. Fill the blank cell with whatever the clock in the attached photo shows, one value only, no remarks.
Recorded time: 11:55
